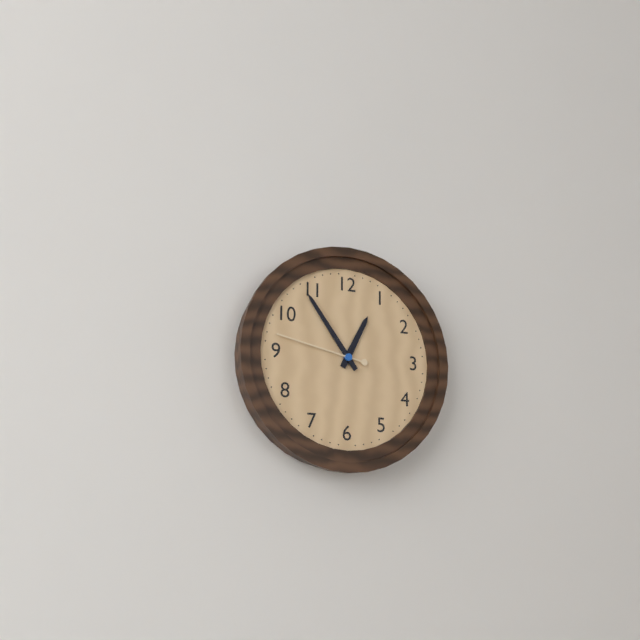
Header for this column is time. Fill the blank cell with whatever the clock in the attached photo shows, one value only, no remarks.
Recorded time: 12:54:47
